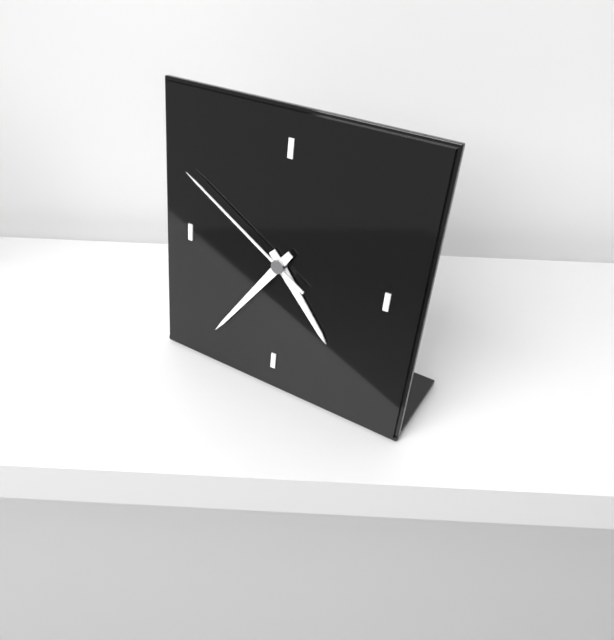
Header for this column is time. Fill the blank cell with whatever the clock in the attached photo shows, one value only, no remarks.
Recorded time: 4:36:50
